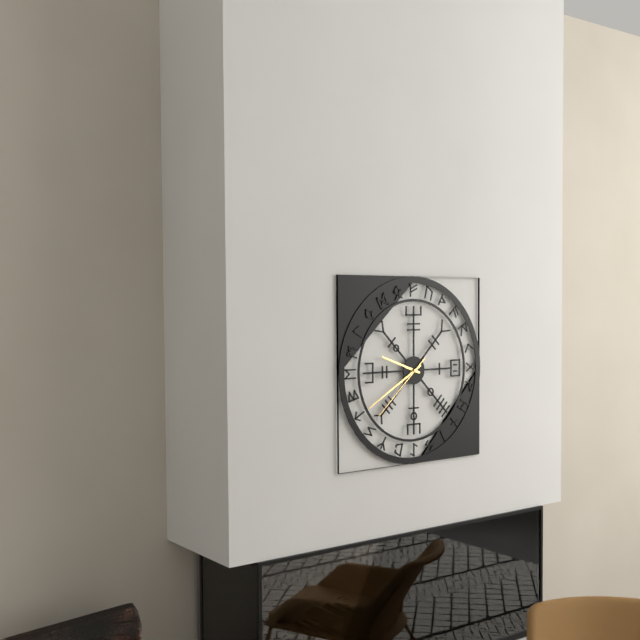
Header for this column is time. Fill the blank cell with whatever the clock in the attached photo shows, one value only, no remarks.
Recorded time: 9:40:38
